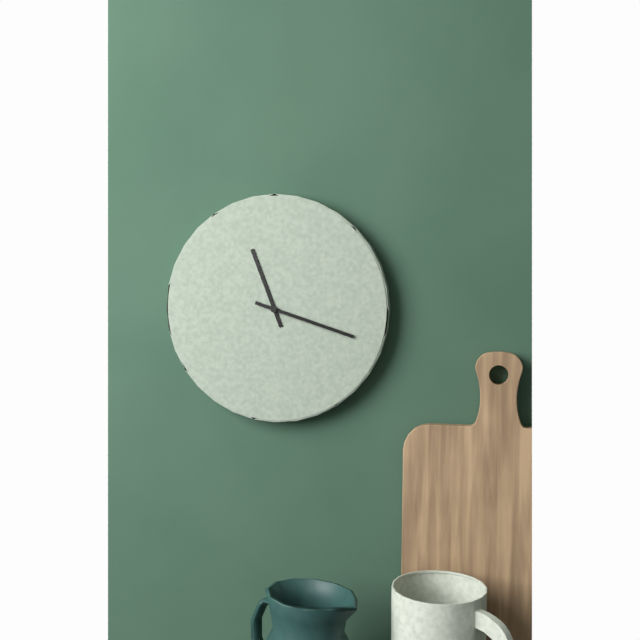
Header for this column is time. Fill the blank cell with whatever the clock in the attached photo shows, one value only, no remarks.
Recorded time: 11:18
